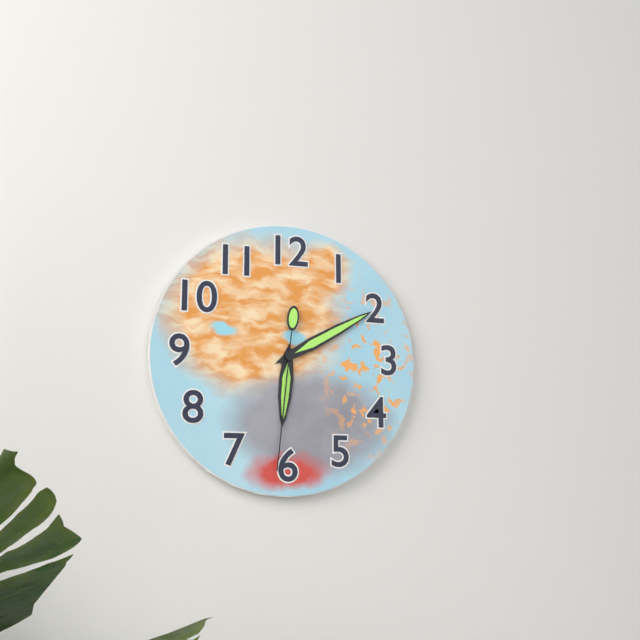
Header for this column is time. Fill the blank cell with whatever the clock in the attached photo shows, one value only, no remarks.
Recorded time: 6:10:31
